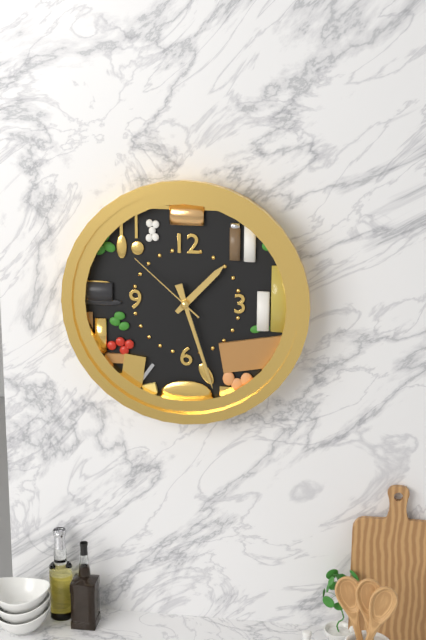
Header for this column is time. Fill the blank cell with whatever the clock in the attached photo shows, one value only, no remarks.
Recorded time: 1:27:52
